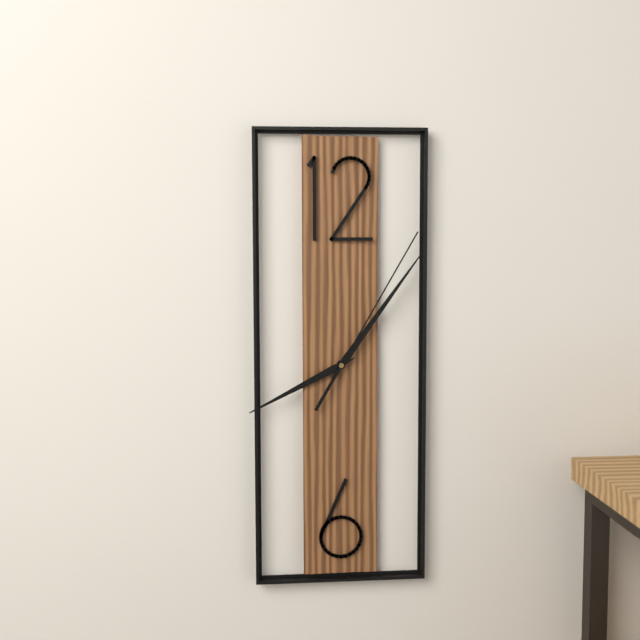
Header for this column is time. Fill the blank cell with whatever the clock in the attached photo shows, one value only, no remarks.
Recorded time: 8:06:05
